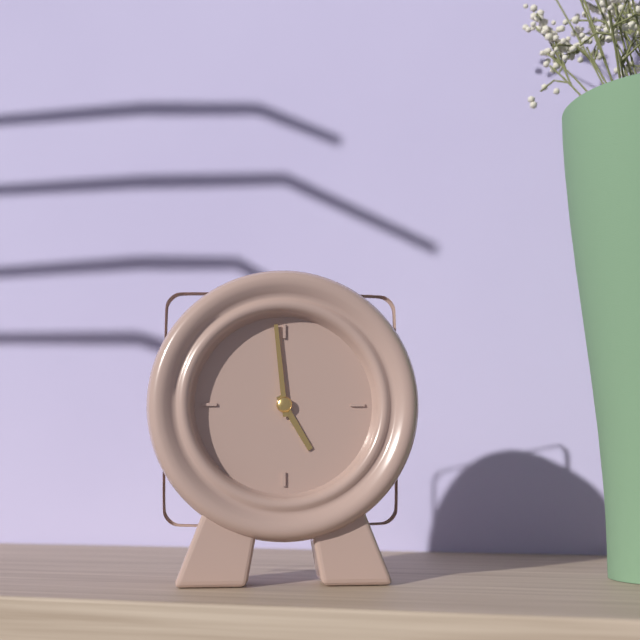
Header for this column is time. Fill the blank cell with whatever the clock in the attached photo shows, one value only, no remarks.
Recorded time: 4:59
